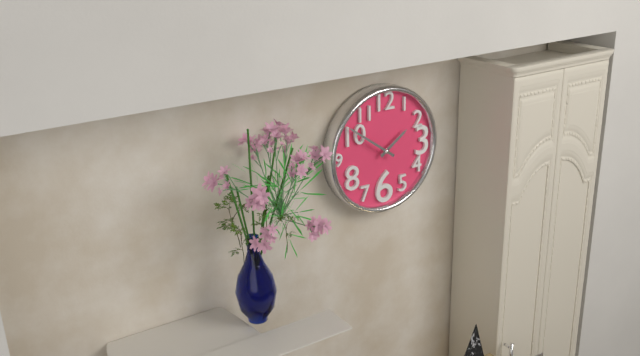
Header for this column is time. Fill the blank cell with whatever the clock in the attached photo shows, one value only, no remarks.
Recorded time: 1:51
